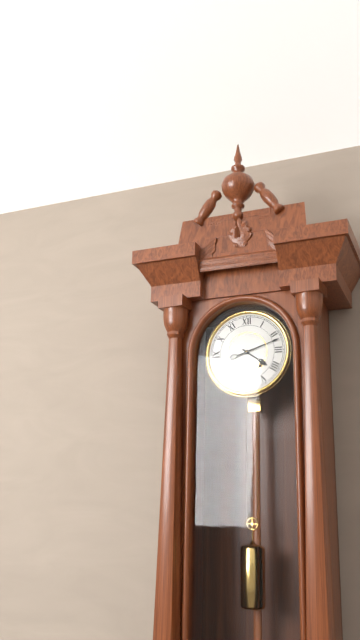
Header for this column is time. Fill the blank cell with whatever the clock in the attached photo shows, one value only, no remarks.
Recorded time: 4:12
